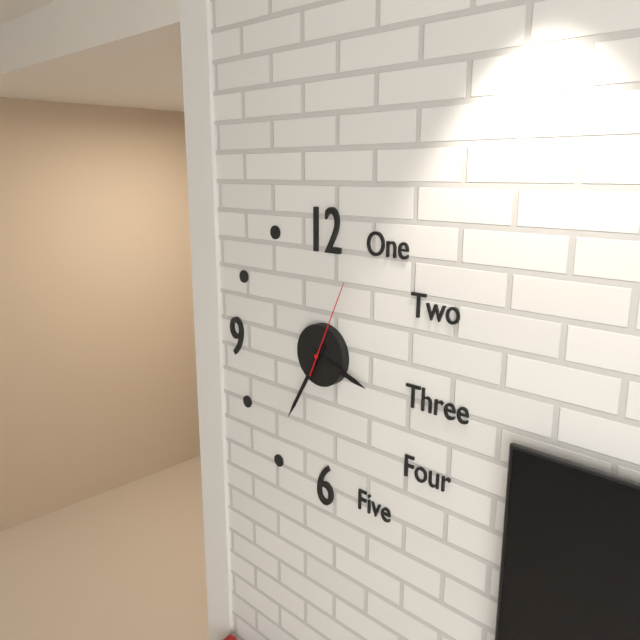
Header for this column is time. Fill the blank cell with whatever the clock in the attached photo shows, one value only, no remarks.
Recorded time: 3:35:04
